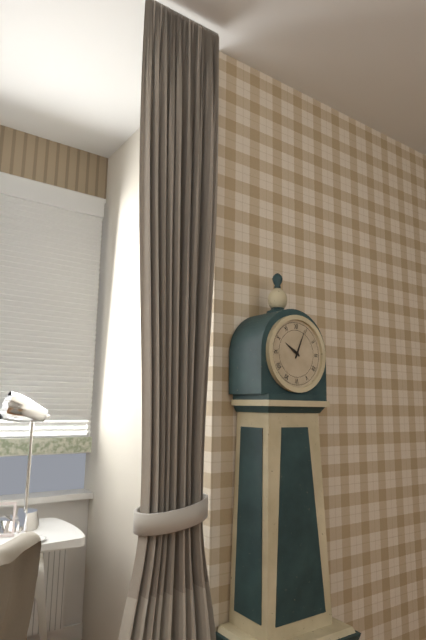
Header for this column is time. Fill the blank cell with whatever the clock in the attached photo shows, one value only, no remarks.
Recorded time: 10:04
